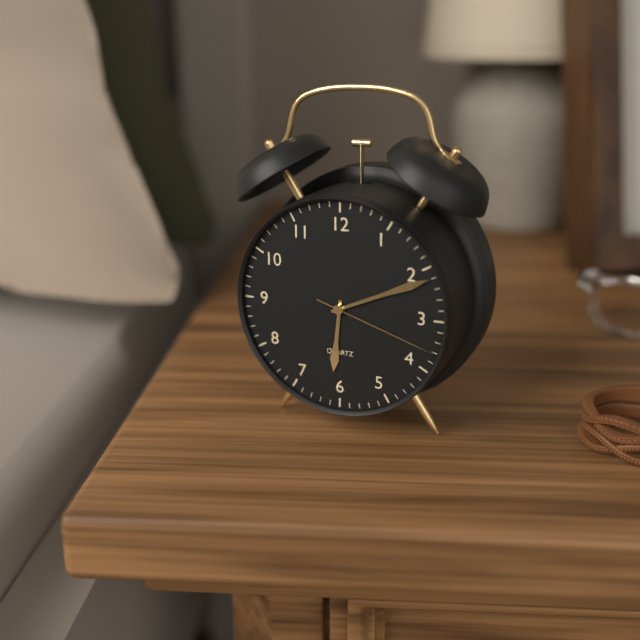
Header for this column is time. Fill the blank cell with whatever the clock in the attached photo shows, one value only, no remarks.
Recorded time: 6:11:18
